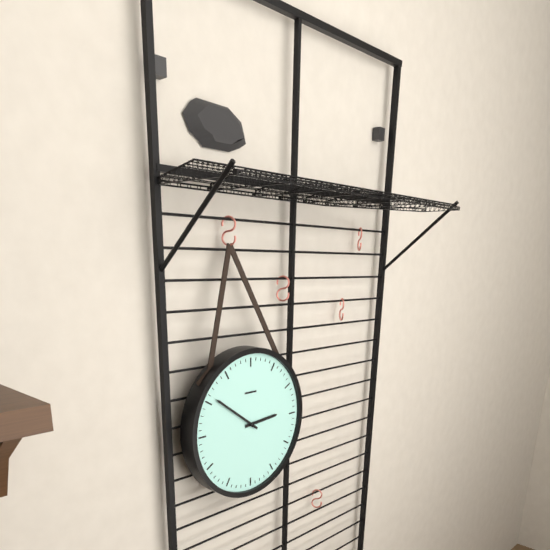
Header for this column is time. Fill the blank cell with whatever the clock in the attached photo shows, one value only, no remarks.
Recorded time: 2:51
